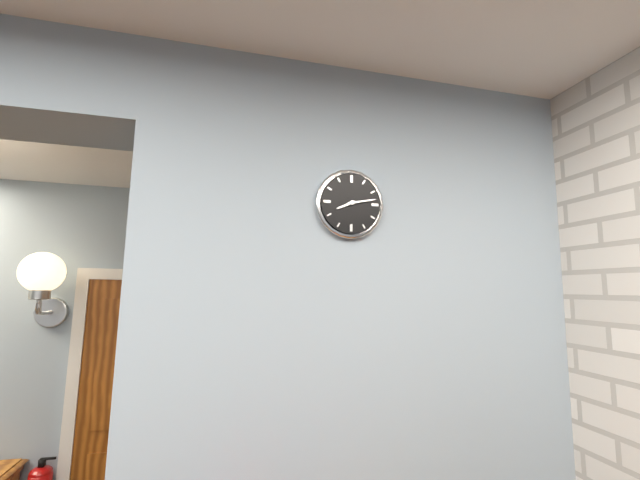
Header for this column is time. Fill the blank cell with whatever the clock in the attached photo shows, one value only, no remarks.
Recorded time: 8:13
